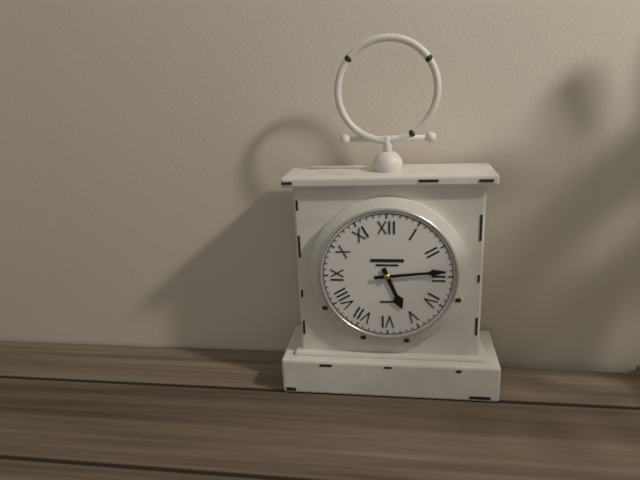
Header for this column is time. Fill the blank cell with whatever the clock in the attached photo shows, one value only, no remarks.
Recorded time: 5:14
